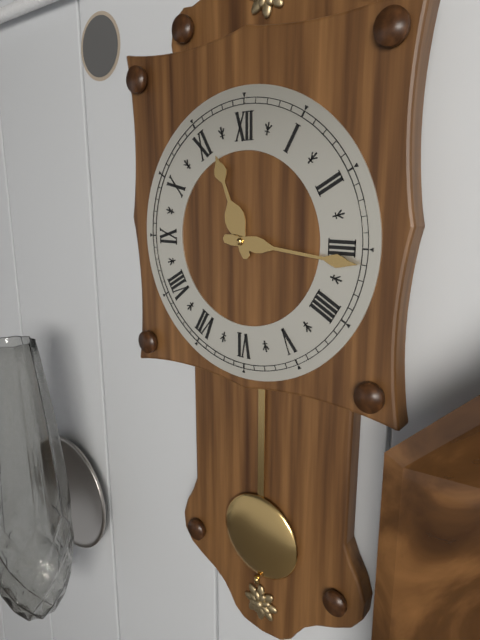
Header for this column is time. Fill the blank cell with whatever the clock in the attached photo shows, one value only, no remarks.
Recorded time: 11:16
